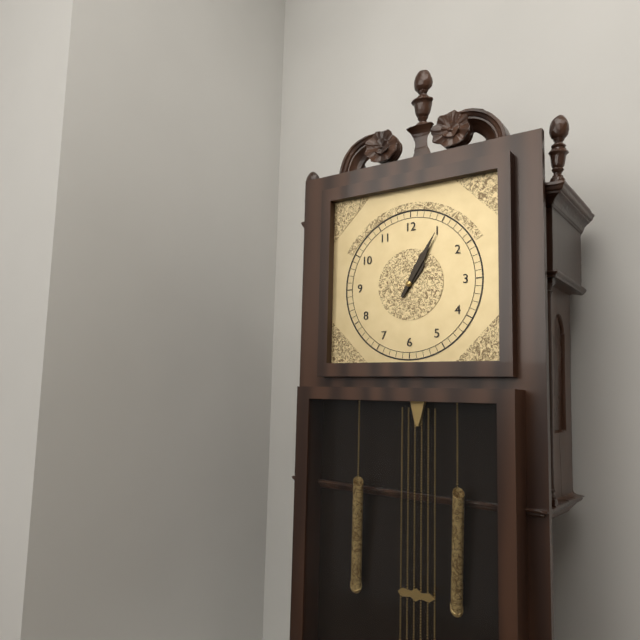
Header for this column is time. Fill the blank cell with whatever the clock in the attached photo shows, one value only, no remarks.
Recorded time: 1:05
